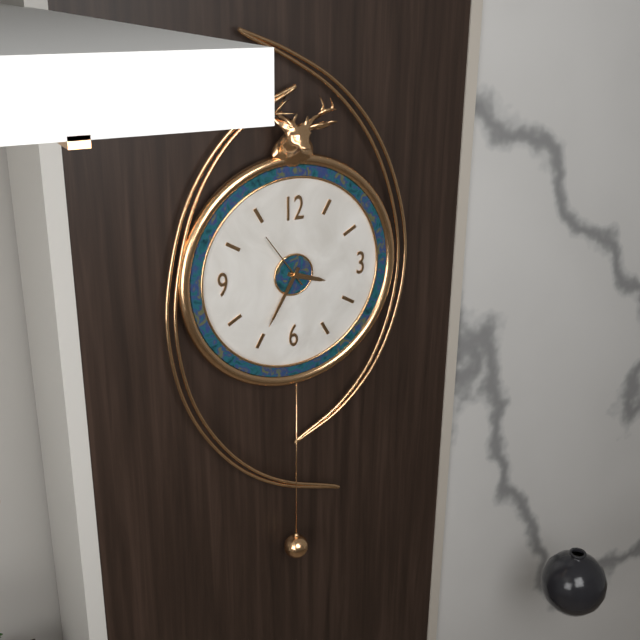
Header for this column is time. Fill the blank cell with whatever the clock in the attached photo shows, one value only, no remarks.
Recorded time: 3:35
